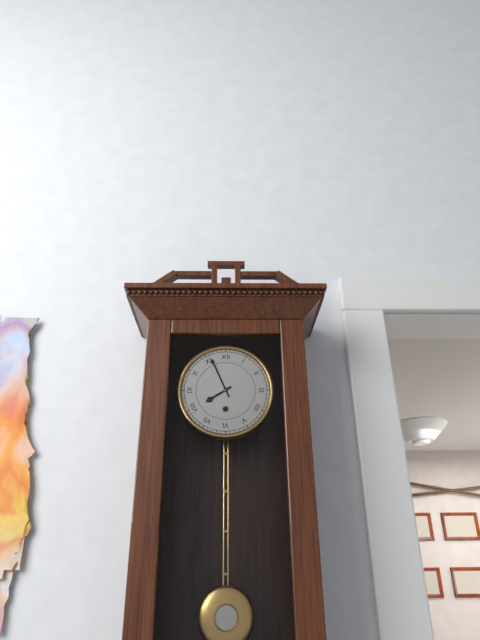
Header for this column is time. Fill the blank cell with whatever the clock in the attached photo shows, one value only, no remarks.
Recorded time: 7:56
